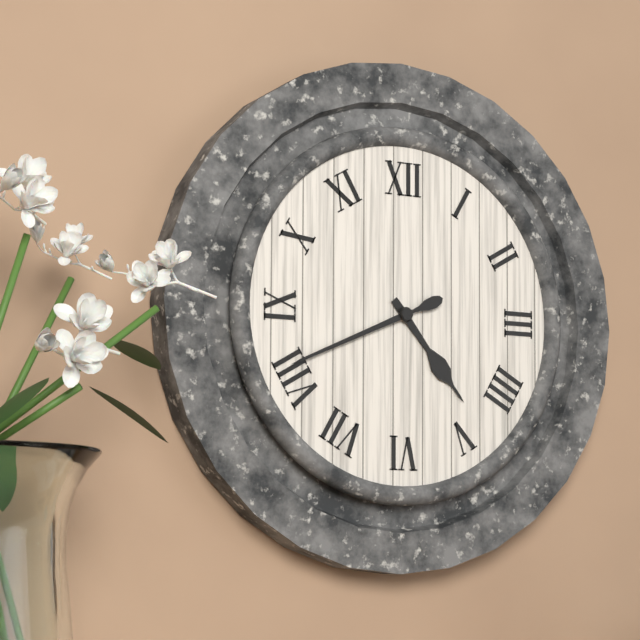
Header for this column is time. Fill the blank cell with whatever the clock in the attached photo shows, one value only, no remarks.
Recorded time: 4:41
